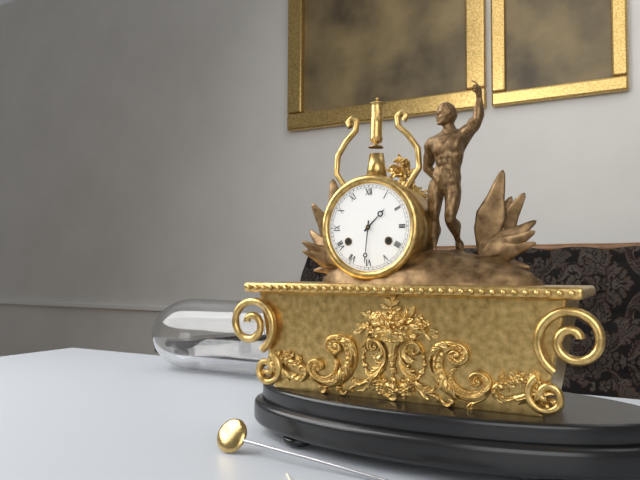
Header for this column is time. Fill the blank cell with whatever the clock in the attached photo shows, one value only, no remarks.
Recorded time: 1:31
